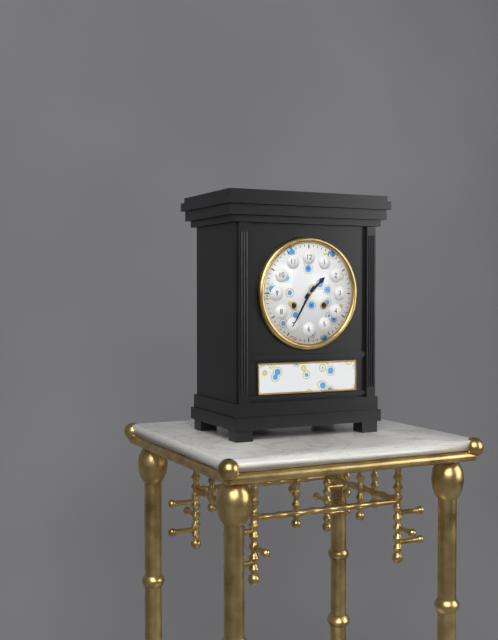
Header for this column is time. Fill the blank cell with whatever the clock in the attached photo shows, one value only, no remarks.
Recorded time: 1:35
